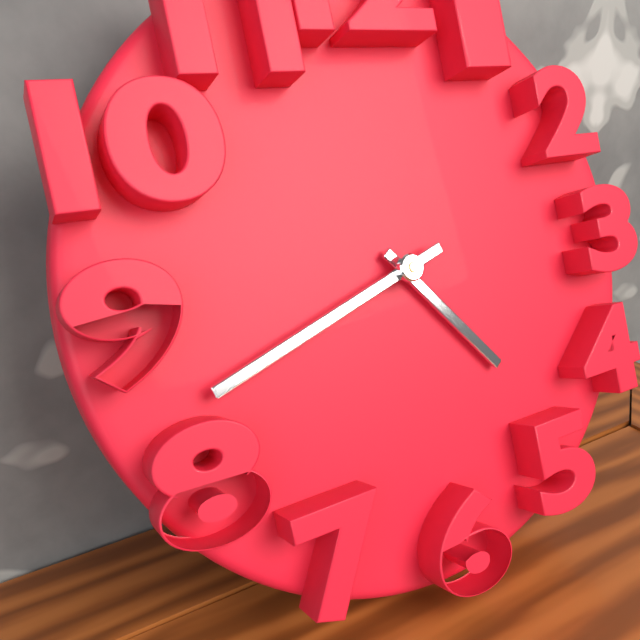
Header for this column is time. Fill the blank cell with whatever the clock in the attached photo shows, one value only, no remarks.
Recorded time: 4:42
